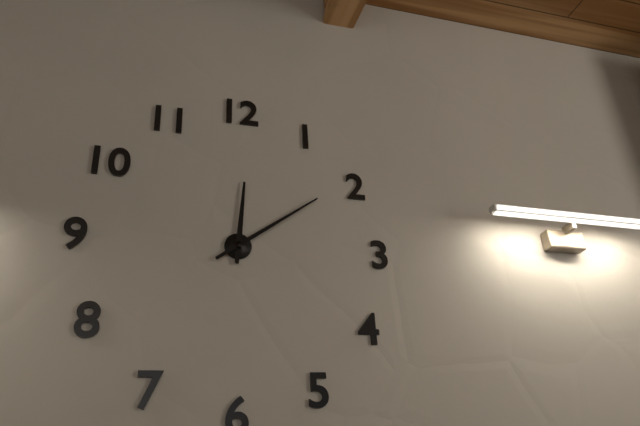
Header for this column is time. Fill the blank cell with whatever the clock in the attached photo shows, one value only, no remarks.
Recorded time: 12:09
